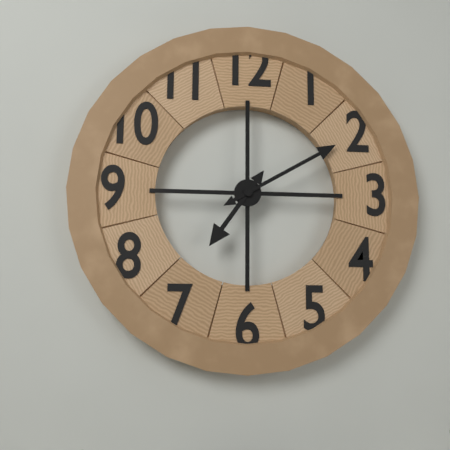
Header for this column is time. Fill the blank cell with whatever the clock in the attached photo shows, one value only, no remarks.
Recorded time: 7:10
